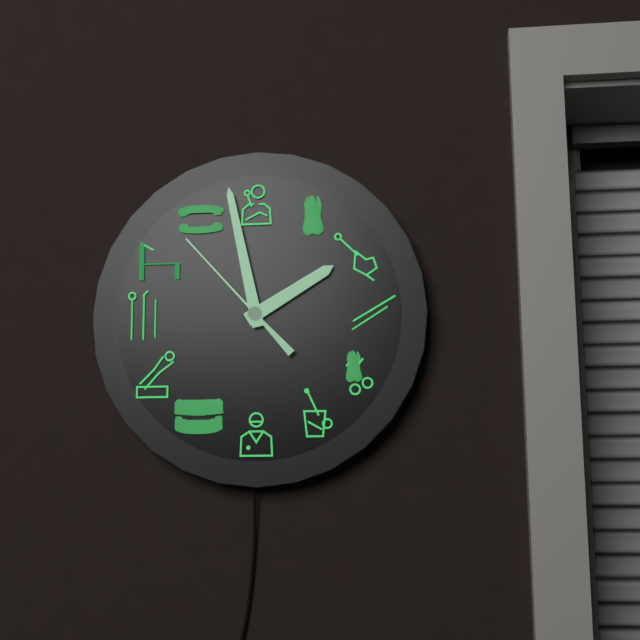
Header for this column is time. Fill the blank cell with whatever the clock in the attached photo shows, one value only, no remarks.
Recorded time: 1:58:53
